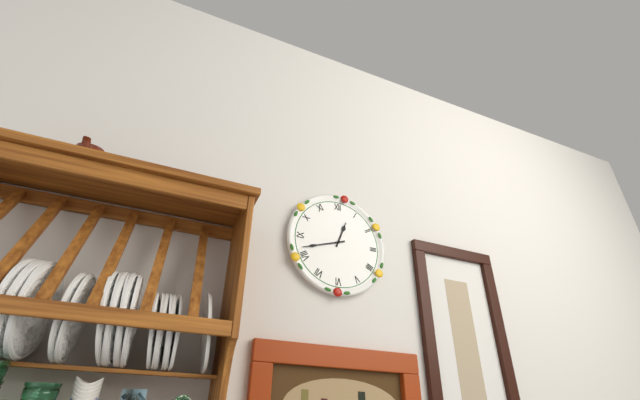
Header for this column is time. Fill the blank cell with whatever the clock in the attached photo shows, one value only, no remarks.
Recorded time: 12:42
